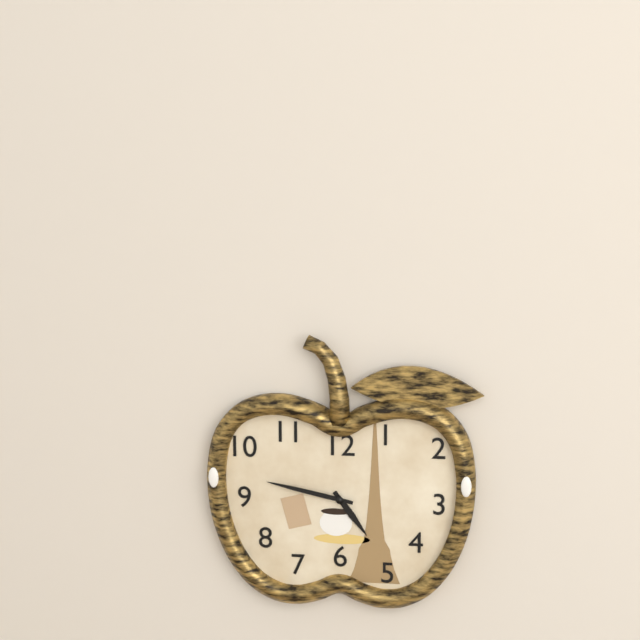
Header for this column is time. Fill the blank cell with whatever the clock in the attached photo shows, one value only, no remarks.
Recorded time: 4:47
